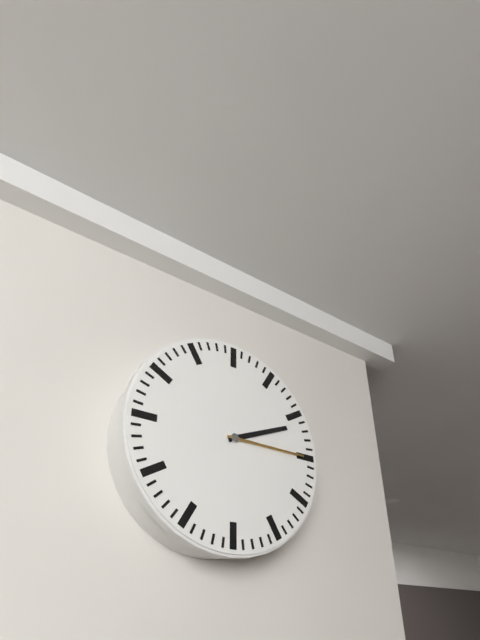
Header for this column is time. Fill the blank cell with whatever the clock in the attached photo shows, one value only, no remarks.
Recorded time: 2:15
